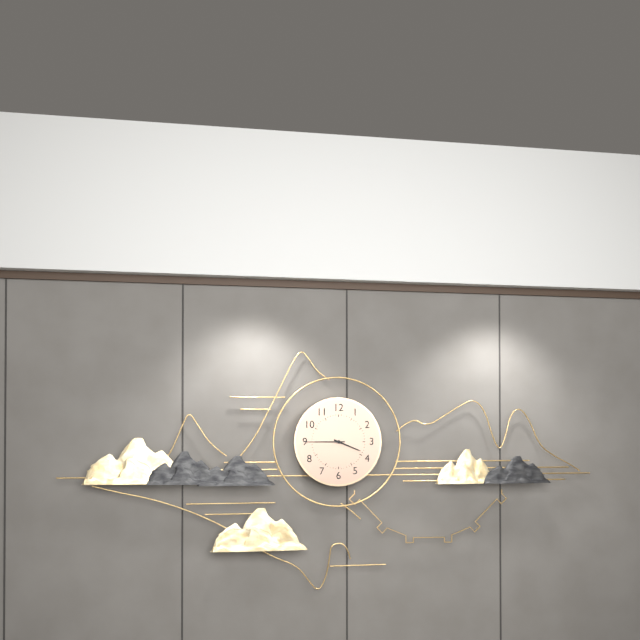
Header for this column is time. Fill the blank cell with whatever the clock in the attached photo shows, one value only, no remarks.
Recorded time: 3:45
